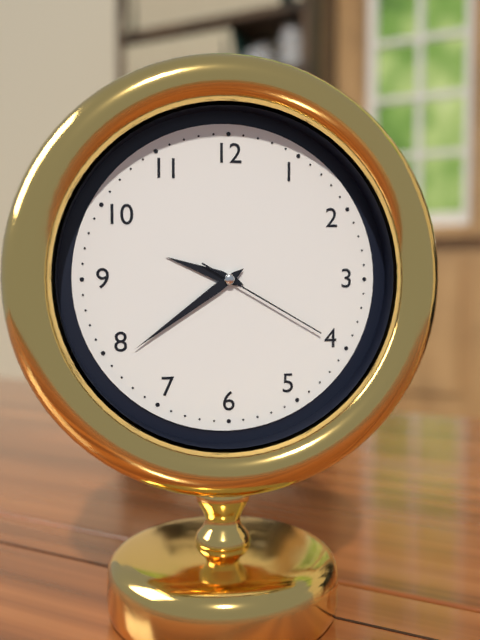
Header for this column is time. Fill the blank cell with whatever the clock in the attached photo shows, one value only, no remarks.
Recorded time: 9:39:20
